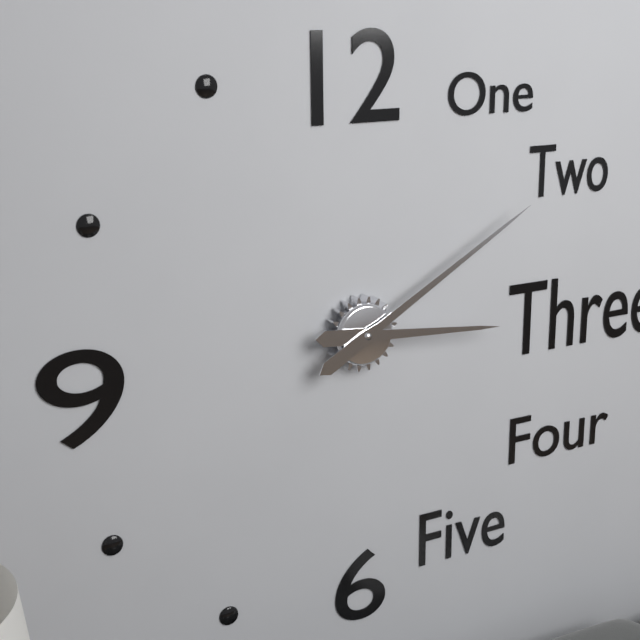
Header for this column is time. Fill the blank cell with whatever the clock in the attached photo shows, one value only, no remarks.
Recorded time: 3:10
